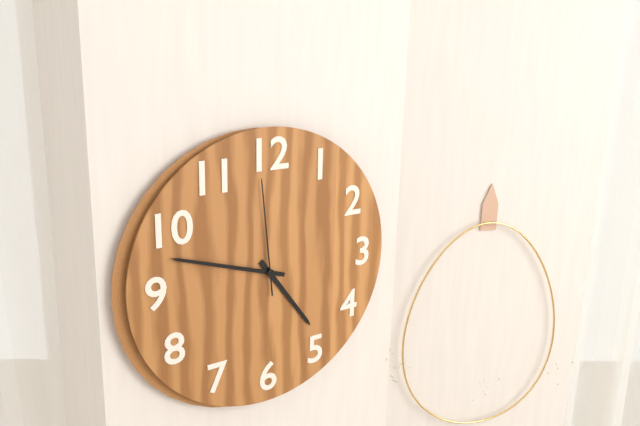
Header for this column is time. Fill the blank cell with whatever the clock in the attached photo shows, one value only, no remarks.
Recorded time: 4:48:59
